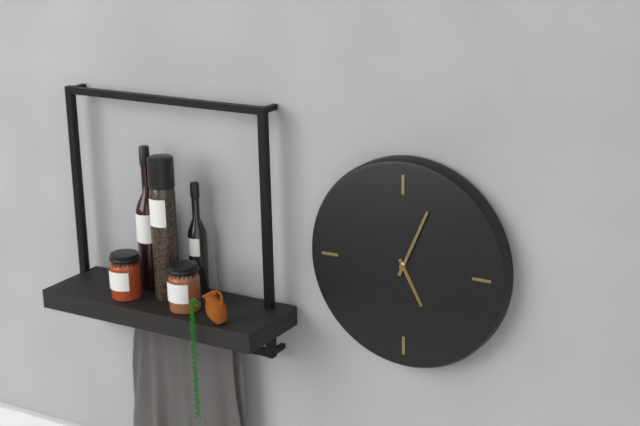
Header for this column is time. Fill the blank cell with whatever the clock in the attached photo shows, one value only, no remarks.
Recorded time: 5:04
